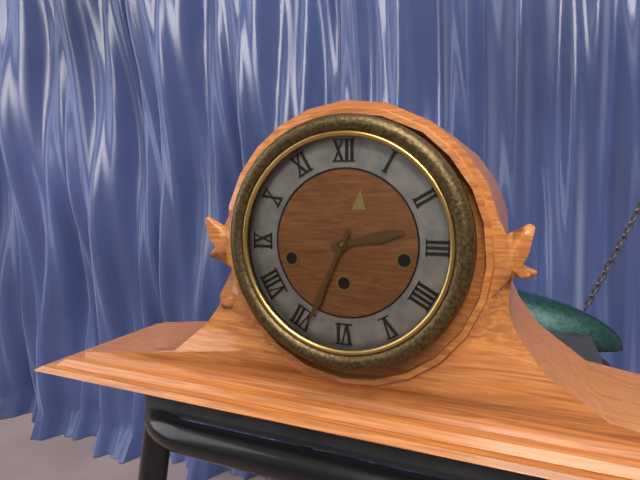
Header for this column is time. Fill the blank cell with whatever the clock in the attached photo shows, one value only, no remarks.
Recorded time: 2:34
